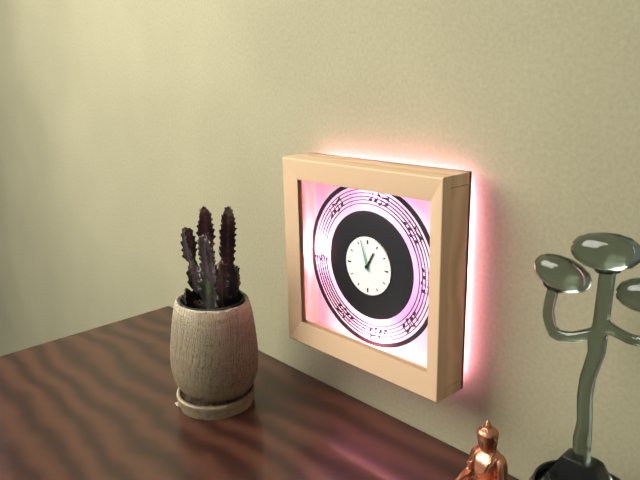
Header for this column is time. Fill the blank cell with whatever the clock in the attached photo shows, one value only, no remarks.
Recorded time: 12:57
